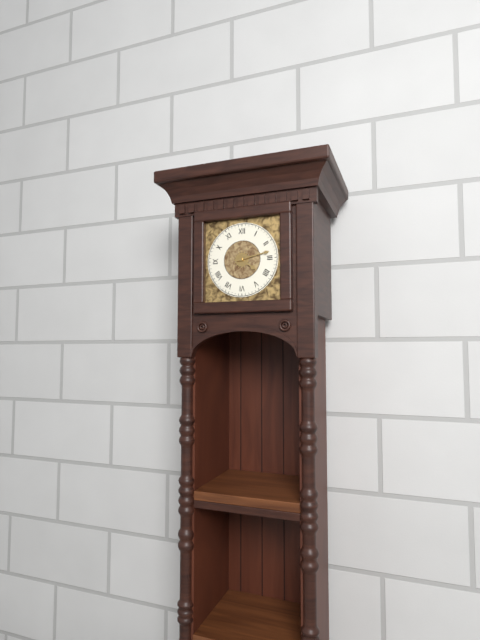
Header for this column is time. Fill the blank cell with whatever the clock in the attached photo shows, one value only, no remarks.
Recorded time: 4:13
